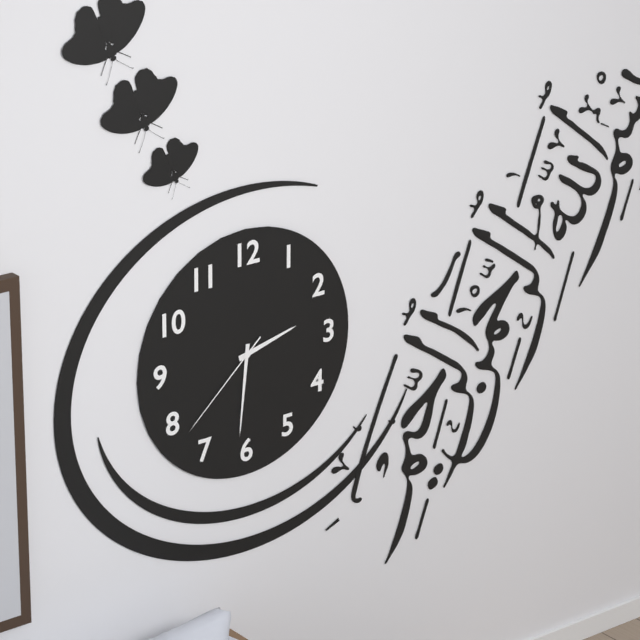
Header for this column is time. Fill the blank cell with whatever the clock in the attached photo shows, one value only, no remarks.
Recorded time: 2:31:38
